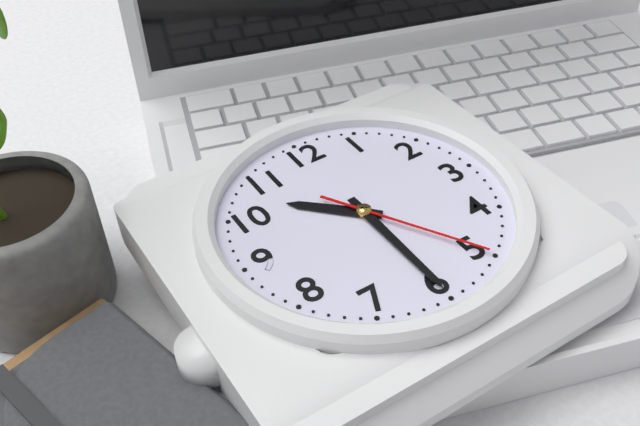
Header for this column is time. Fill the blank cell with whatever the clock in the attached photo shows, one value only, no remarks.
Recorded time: 10:30:25
